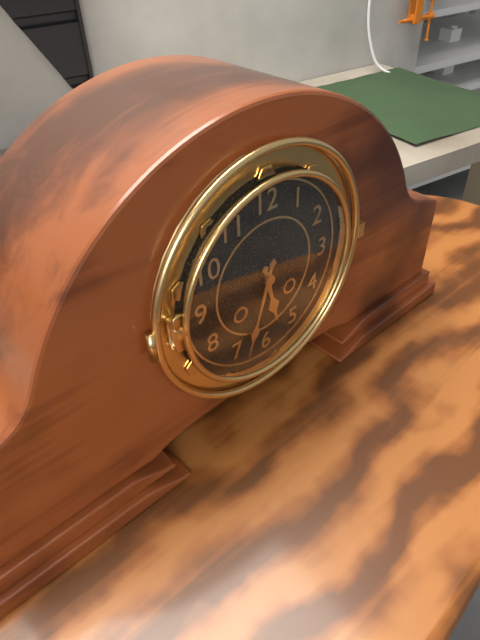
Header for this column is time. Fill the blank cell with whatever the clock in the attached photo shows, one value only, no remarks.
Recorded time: 5:33
